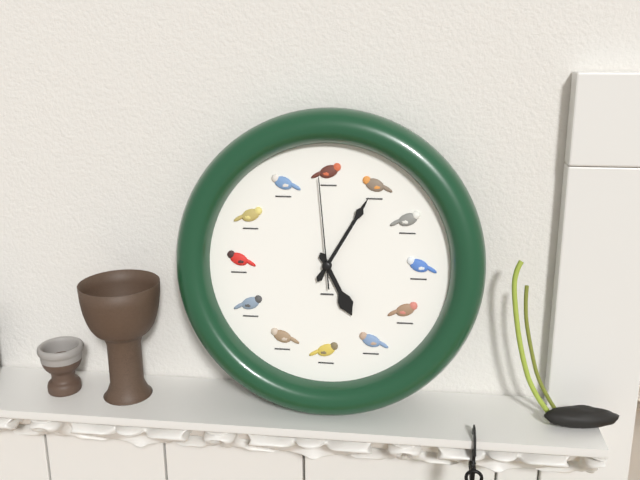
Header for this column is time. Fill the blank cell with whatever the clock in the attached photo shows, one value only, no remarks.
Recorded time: 5:05:59
